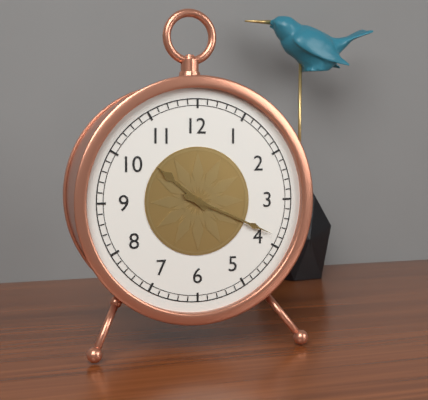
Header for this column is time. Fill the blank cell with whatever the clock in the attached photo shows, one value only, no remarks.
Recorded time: 10:19
